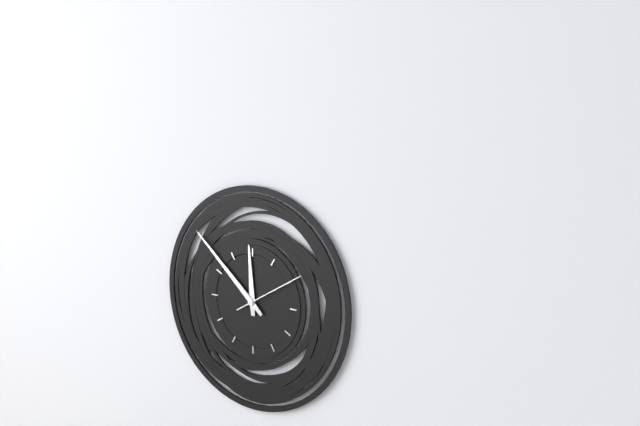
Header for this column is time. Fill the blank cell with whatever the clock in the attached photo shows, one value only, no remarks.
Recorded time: 11:52:10
